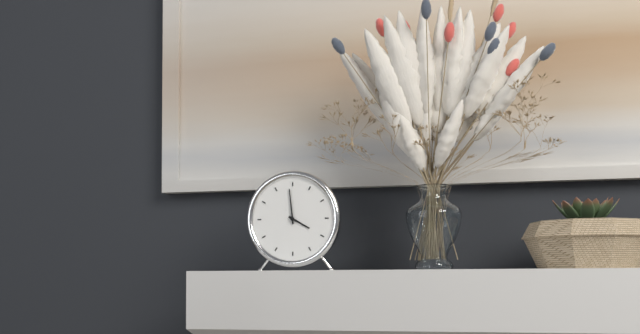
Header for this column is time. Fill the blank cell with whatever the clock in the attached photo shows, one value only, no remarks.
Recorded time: 3:59
